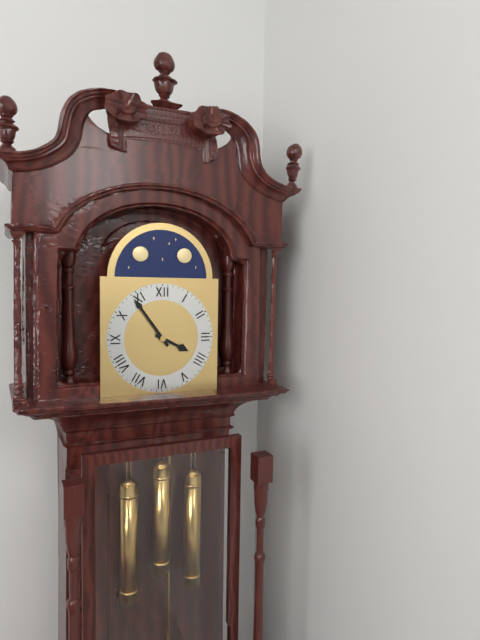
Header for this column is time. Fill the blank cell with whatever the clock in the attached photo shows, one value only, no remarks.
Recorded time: 3:54
